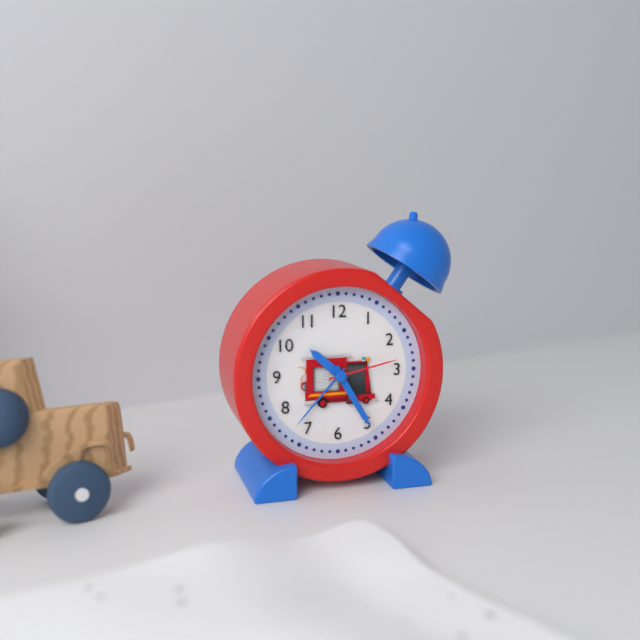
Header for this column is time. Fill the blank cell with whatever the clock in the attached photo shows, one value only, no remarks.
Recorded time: 10:25:13
